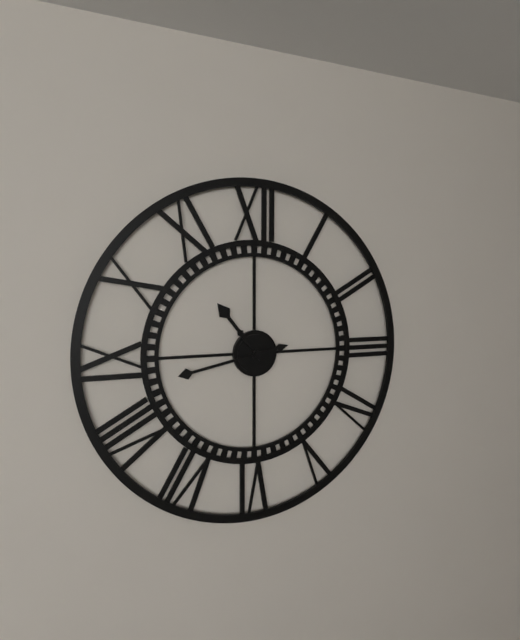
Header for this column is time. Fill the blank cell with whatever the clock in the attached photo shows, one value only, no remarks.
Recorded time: 10:43
